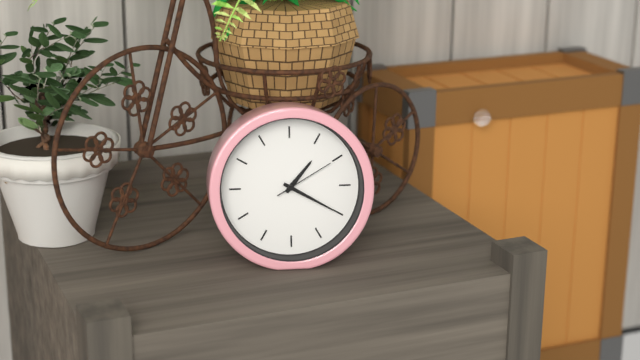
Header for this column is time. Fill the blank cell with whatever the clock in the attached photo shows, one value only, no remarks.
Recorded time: 1:20:10
